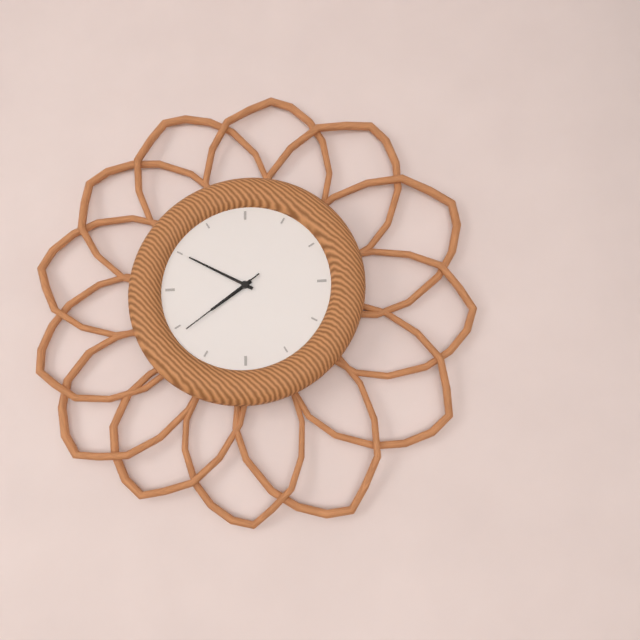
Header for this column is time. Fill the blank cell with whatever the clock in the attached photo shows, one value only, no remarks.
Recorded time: 7:50:39
